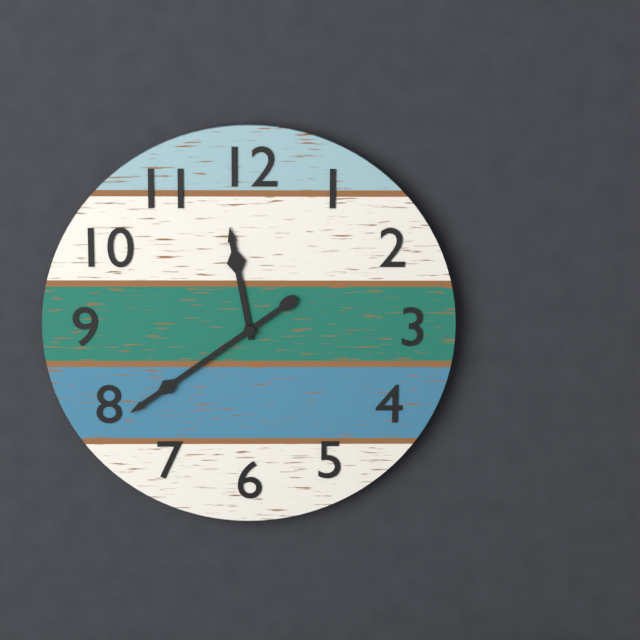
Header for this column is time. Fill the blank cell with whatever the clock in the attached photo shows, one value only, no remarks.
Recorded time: 11:39
